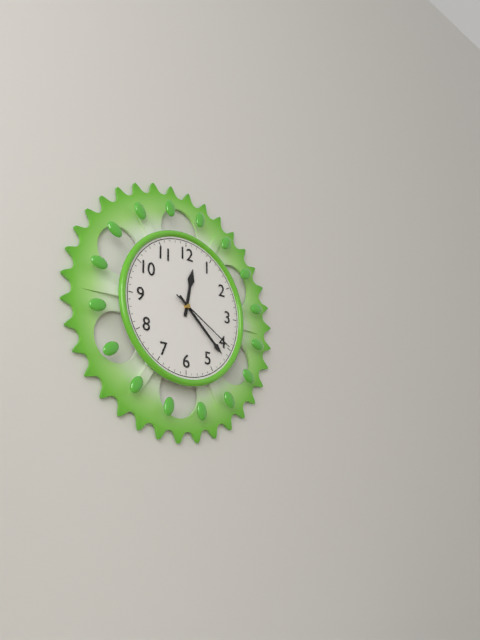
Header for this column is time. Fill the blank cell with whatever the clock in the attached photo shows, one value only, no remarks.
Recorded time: 12:22:20
